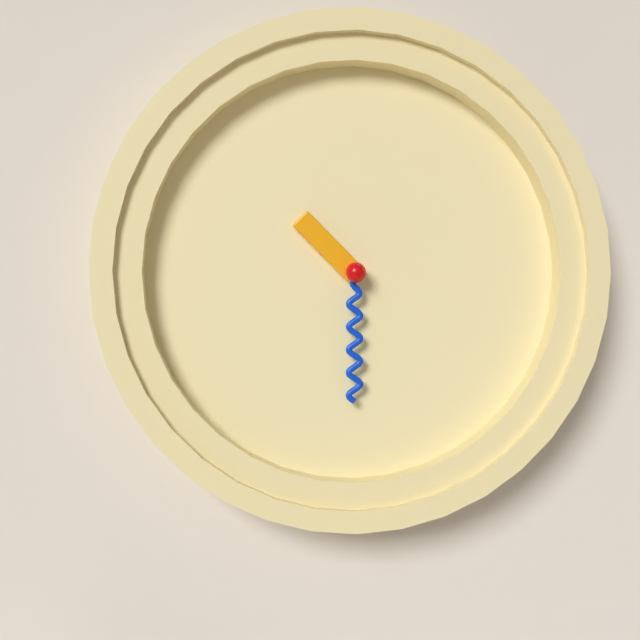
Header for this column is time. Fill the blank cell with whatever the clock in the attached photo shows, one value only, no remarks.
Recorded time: 10:30
